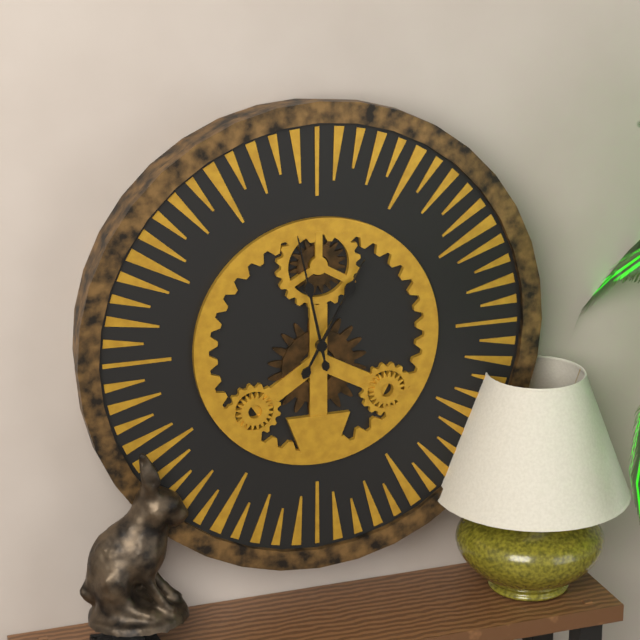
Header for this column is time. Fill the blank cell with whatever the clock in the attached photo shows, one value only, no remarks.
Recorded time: 12:58
